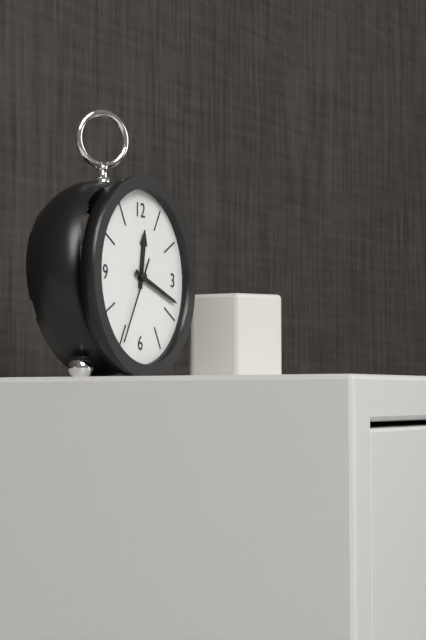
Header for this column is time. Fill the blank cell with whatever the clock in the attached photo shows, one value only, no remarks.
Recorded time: 12:18:35
